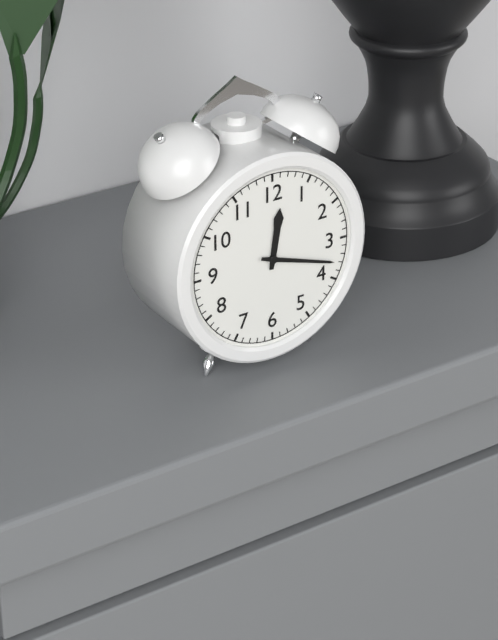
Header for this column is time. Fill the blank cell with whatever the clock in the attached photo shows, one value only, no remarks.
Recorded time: 12:18
